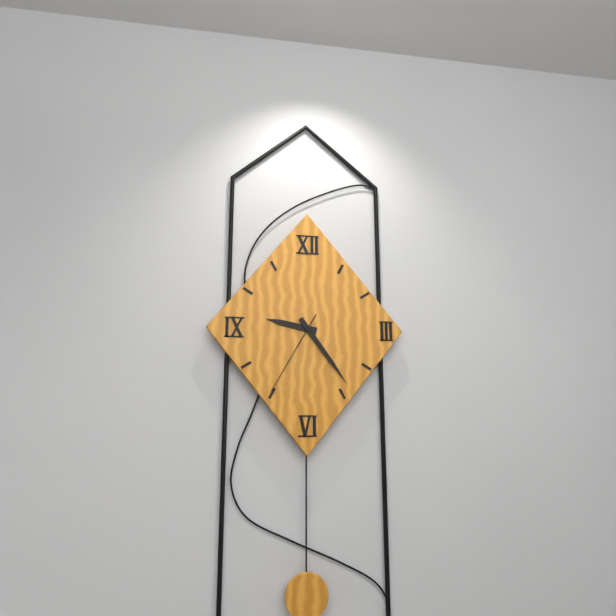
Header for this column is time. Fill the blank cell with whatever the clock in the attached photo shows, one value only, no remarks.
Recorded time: 9:24:35
